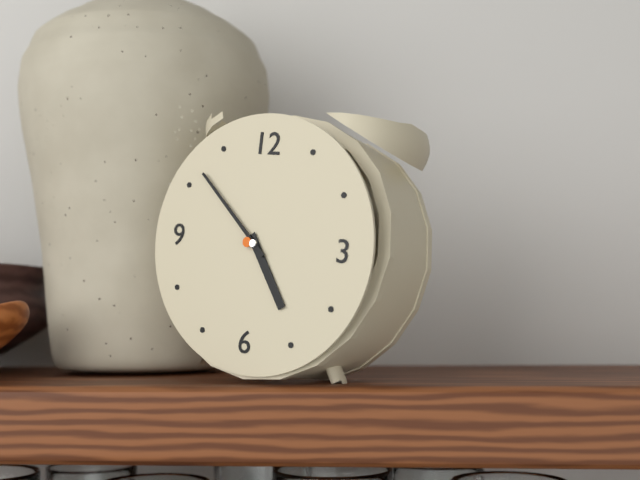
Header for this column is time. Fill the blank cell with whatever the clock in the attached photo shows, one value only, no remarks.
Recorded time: 4:52
